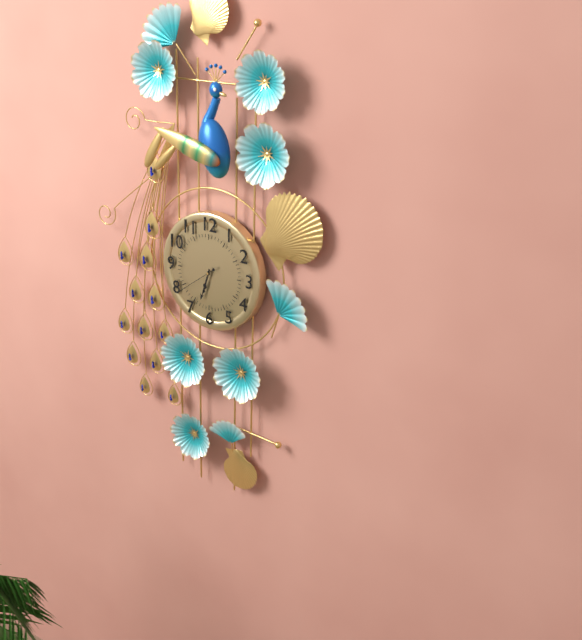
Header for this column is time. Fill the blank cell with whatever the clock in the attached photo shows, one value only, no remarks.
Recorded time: 6:33
